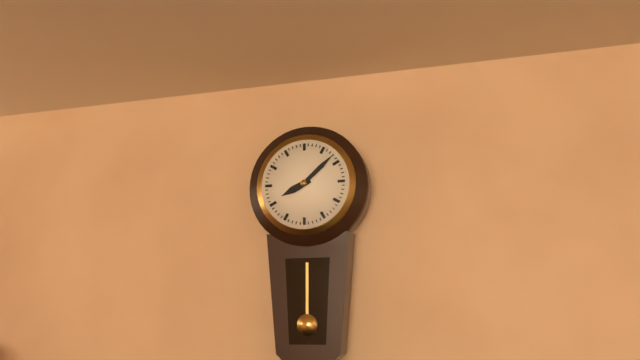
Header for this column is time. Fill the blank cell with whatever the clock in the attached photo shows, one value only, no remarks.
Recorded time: 8:08
